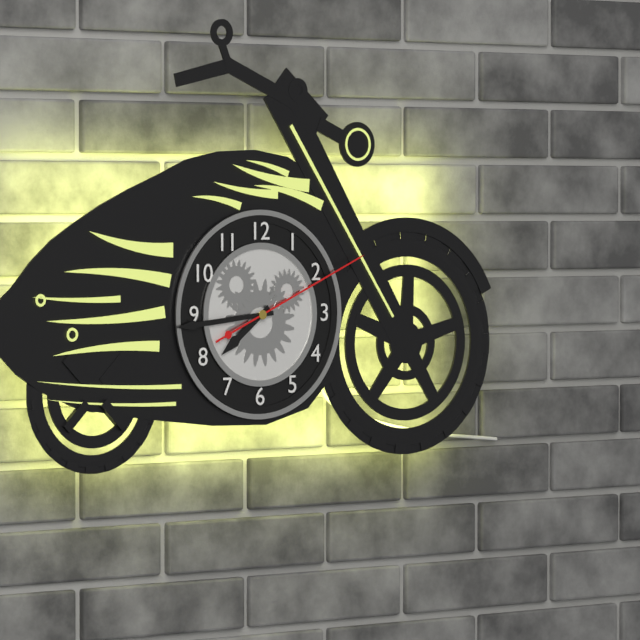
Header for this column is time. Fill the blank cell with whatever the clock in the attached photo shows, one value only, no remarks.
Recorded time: 7:44:11
